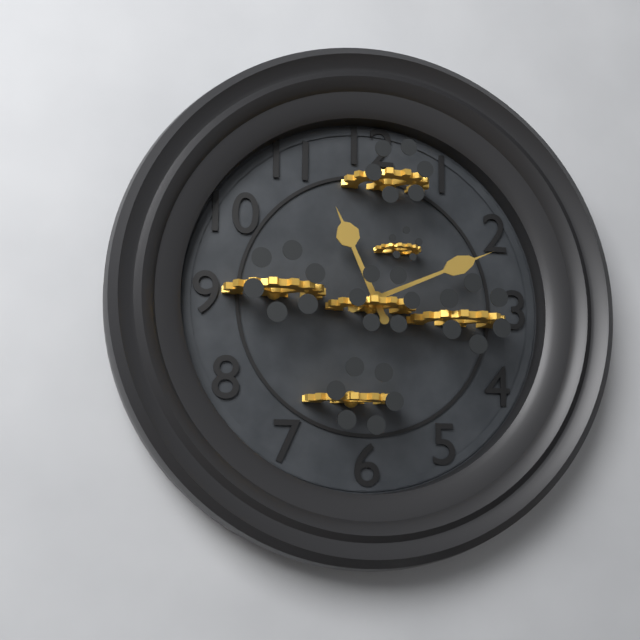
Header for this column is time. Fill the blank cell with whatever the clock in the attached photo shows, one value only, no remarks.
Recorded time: 11:11
